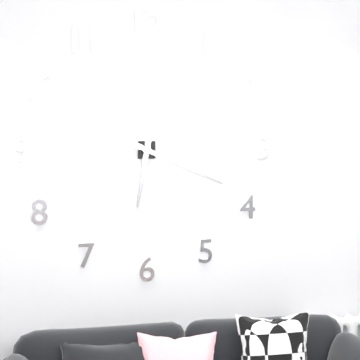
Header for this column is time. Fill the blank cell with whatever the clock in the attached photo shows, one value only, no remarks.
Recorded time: 6:19
